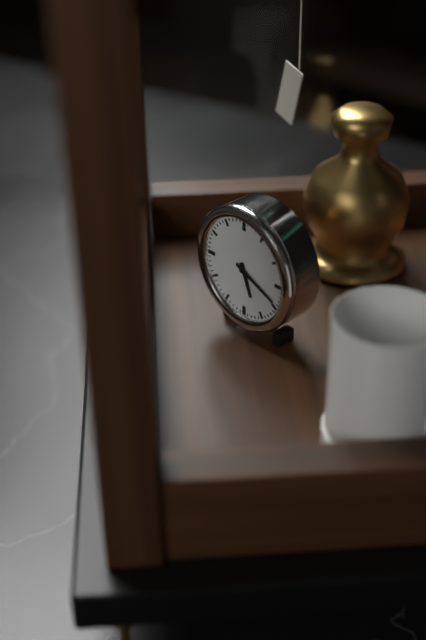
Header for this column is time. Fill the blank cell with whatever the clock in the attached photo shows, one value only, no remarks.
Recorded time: 5:19
